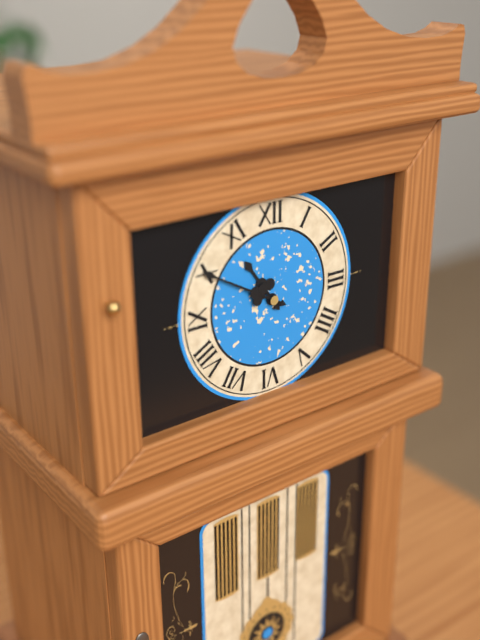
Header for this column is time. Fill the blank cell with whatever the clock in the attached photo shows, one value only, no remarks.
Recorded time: 10:50
